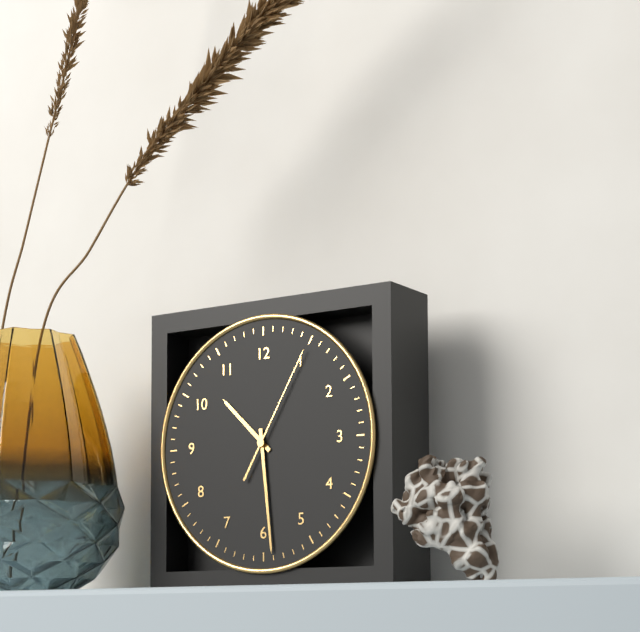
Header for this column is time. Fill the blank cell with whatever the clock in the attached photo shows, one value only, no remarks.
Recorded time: 10:29:05
